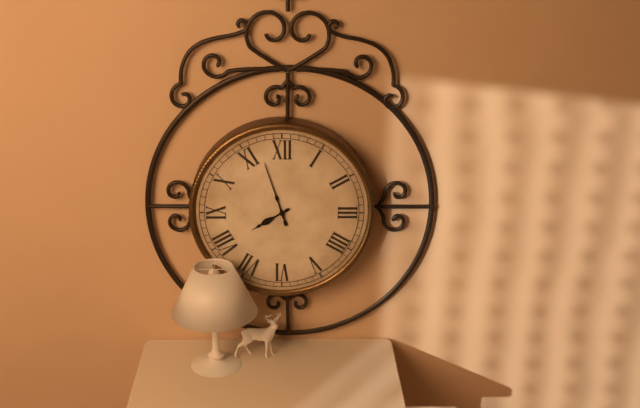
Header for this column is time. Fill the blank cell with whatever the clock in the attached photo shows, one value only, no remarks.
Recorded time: 7:57
